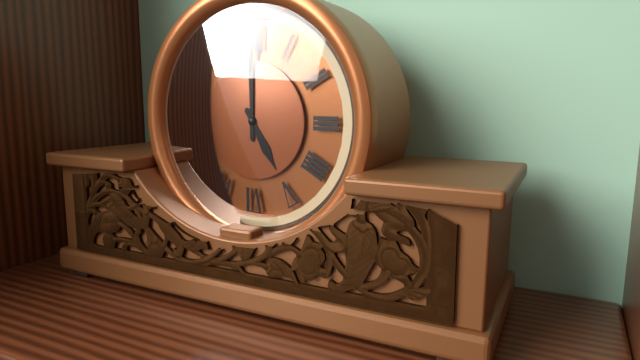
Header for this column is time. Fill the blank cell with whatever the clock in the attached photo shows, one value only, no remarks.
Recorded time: 5:00
